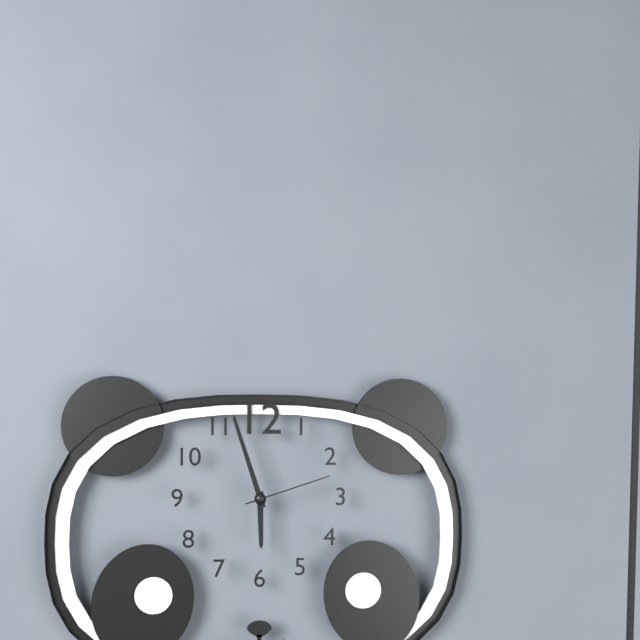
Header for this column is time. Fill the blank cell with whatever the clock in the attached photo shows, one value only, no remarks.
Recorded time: 5:57:12
